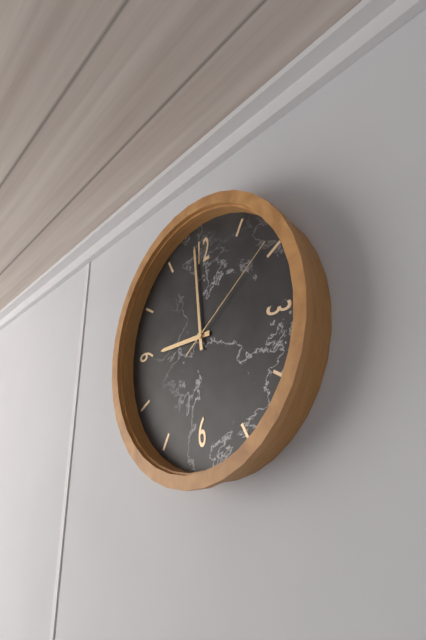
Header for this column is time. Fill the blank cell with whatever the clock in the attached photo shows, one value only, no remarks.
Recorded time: 8:59:09
